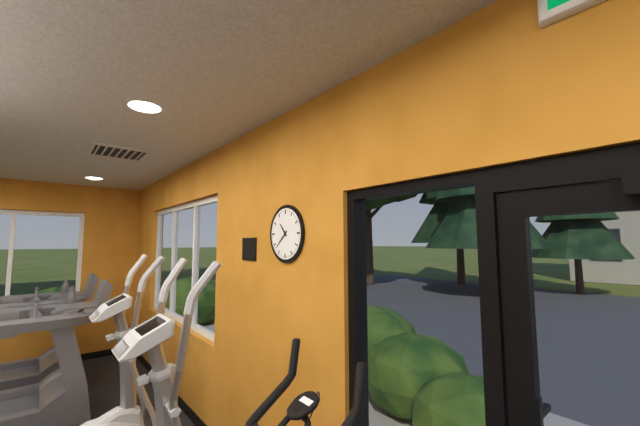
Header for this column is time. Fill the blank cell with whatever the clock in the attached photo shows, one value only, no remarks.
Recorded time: 10:38
